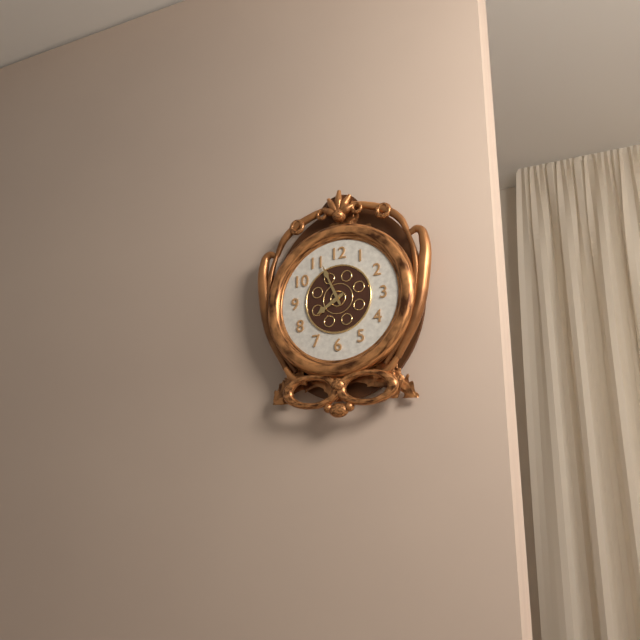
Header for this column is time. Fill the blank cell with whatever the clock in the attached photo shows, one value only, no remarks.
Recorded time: 7:56
